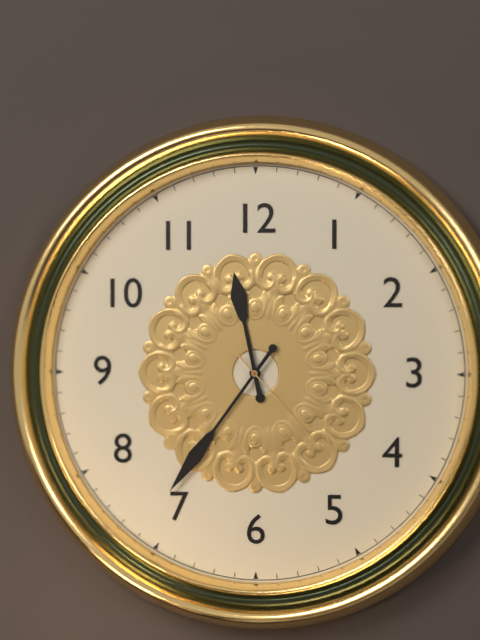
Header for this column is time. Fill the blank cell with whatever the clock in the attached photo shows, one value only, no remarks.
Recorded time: 11:36:23
